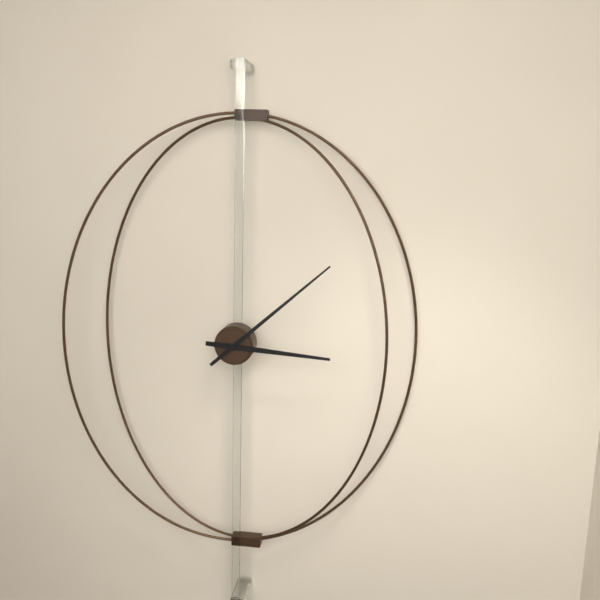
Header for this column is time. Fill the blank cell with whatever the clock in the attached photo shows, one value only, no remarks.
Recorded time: 3:08
